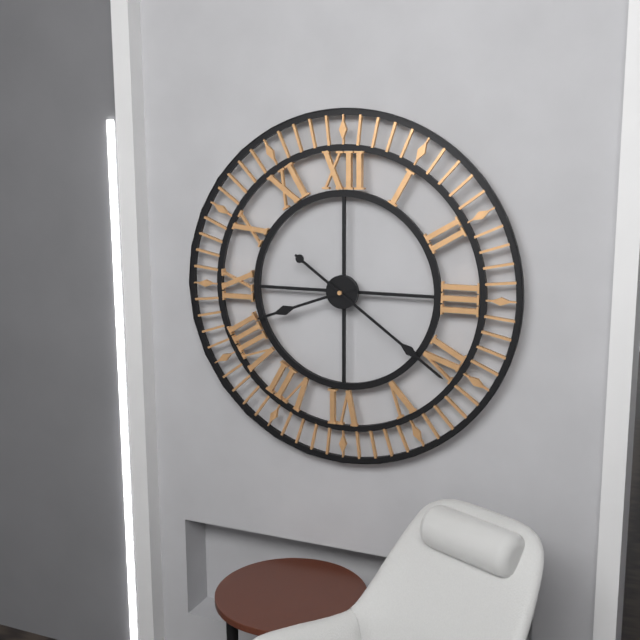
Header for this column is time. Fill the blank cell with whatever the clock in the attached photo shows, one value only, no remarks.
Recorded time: 8:21
